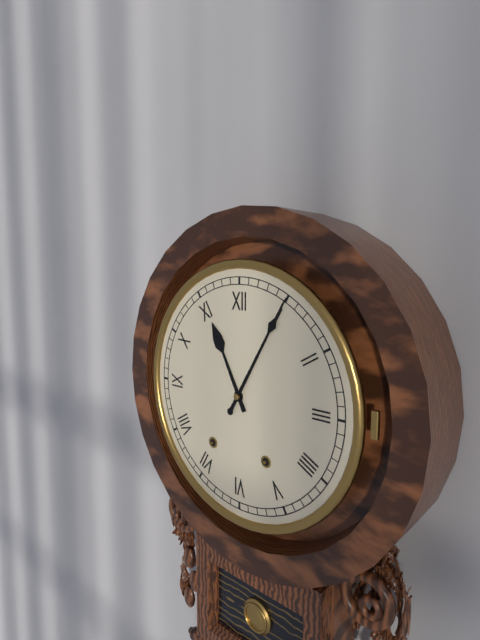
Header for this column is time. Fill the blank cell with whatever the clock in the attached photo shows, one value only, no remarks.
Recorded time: 11:05
